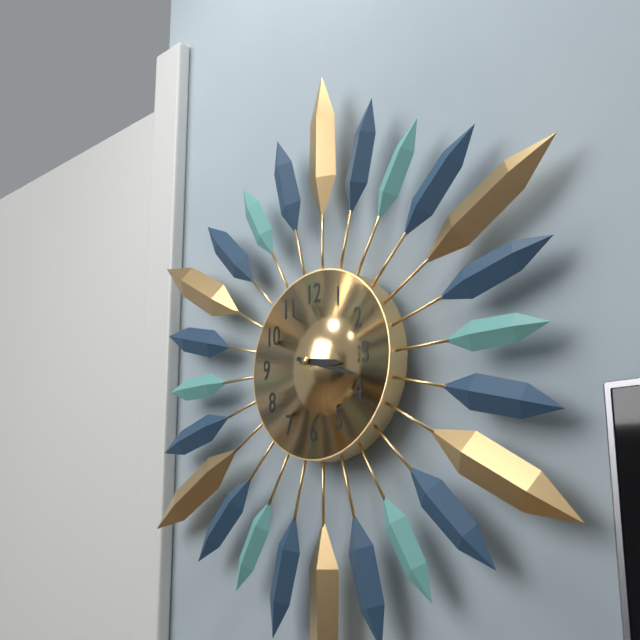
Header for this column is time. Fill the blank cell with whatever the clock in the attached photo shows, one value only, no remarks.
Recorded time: 3:18
